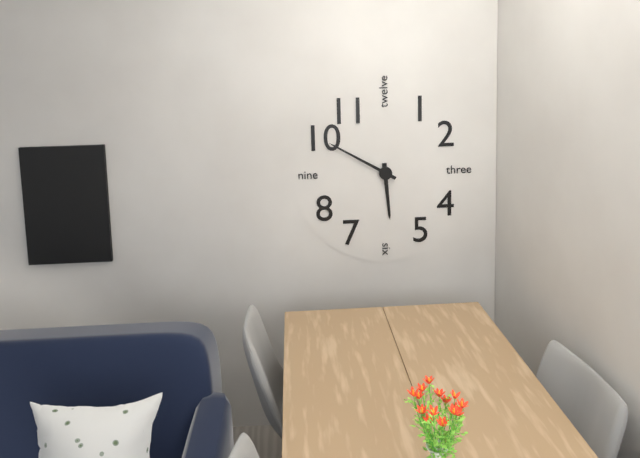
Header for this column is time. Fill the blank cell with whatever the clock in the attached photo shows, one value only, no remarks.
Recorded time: 5:50
